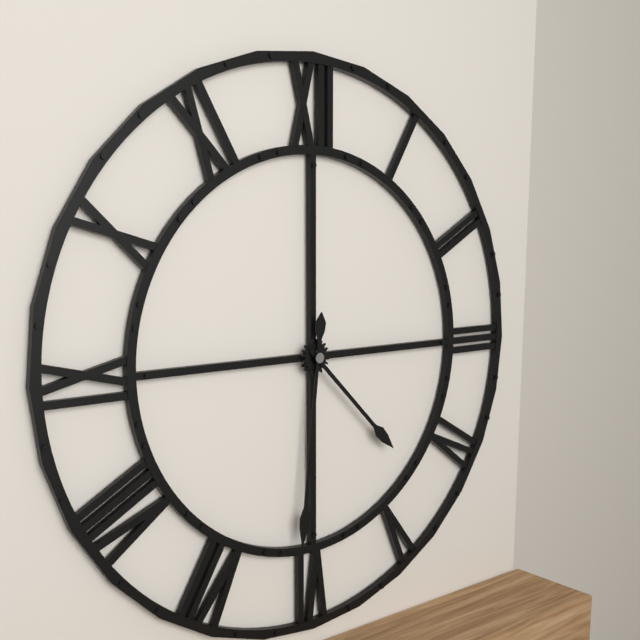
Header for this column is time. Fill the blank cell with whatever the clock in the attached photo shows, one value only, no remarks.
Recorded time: 4:31
